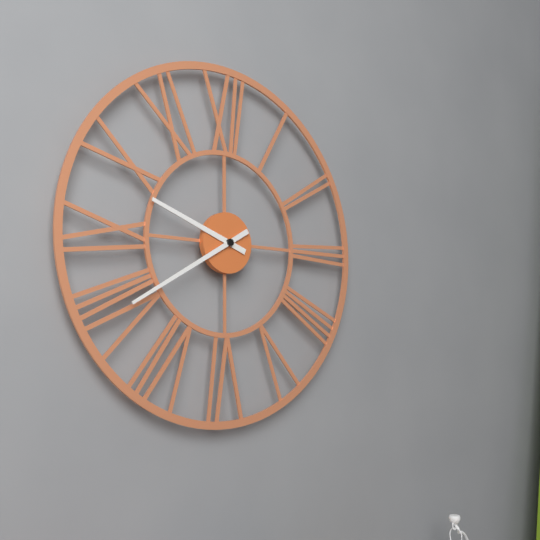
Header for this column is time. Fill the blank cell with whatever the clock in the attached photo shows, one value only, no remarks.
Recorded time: 9:40
